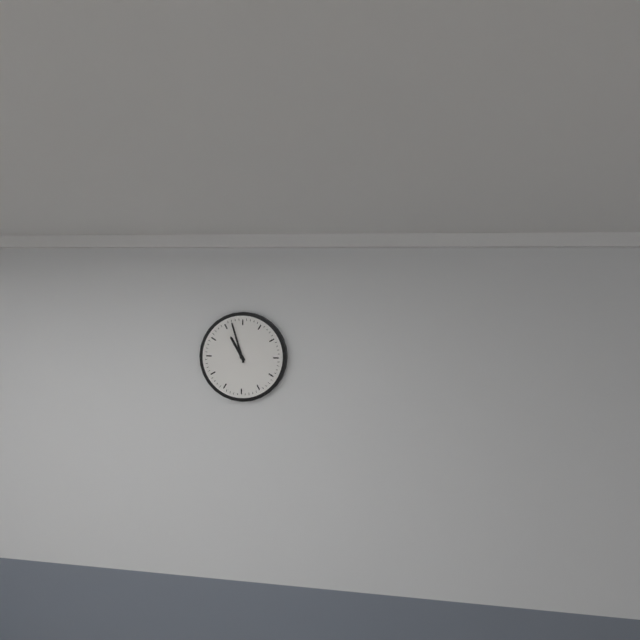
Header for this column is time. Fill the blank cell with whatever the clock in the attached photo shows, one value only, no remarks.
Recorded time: 10:57
